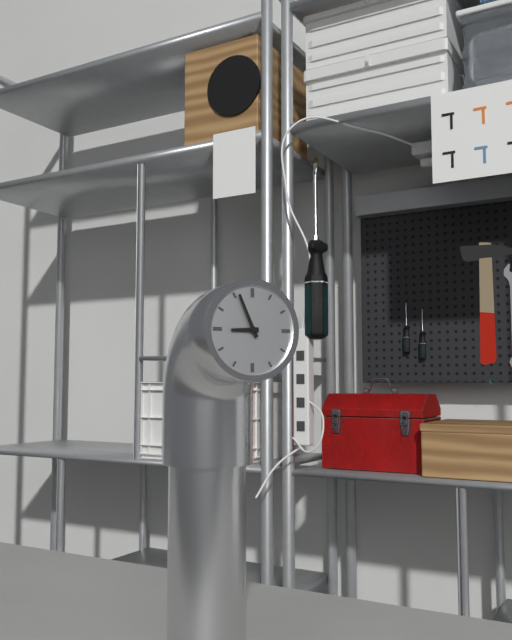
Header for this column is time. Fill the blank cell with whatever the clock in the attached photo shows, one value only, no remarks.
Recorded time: 8:56
